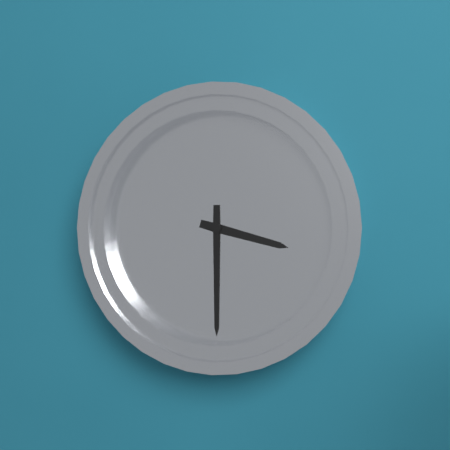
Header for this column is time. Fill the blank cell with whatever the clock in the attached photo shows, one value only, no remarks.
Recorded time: 3:30
